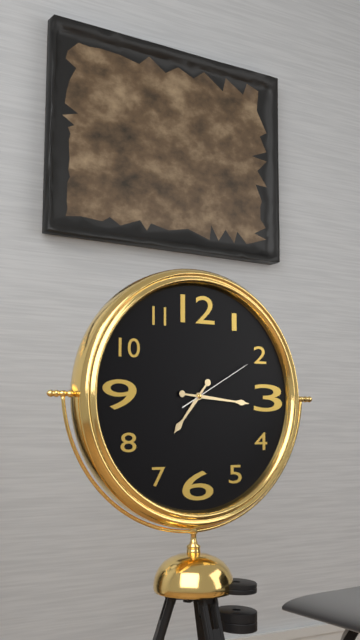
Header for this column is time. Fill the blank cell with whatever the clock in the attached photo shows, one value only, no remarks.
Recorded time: 7:16:10
